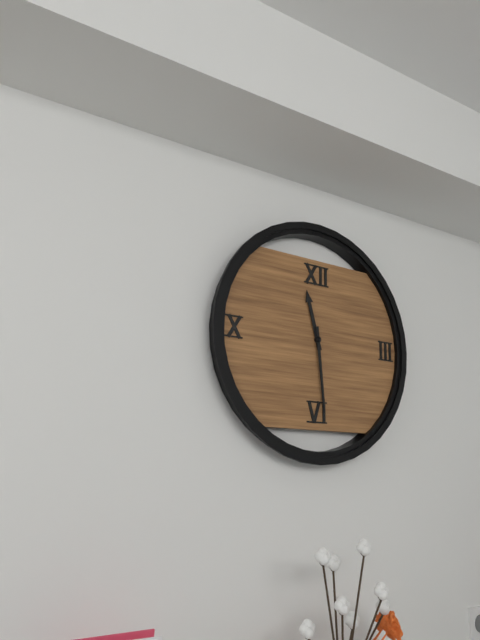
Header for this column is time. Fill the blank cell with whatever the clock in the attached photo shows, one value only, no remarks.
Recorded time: 11:29
